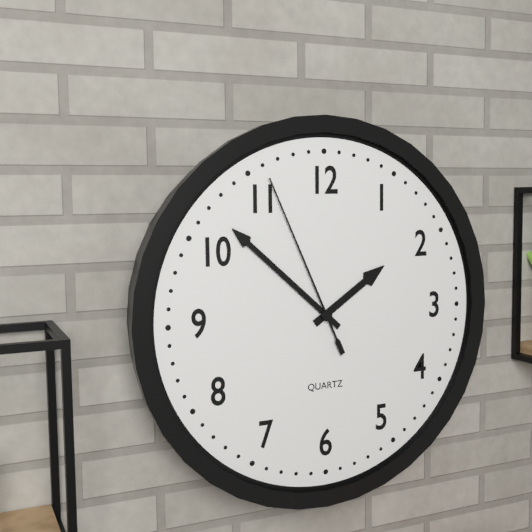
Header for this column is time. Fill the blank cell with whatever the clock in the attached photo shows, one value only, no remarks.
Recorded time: 1:52:56
